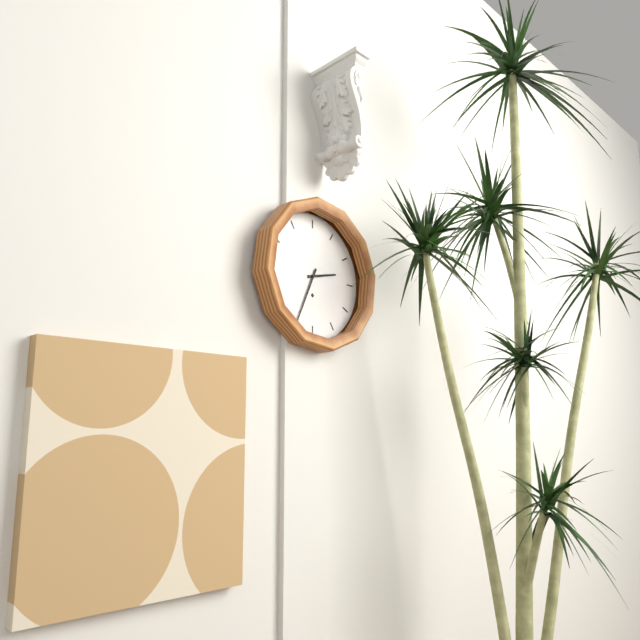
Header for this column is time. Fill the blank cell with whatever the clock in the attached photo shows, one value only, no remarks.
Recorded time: 2:34
